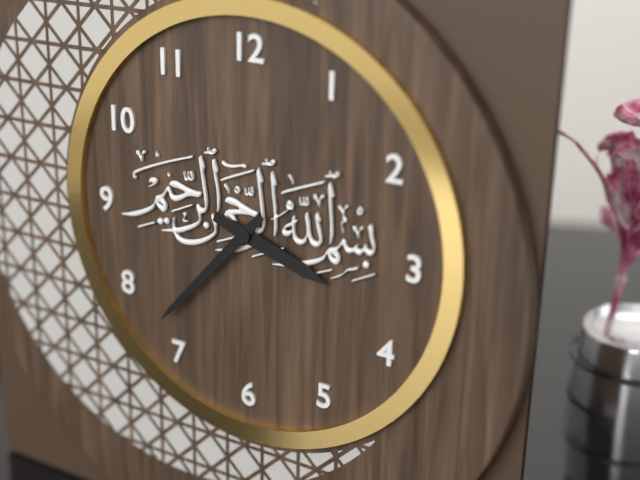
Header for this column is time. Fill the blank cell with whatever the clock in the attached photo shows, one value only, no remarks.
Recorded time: 3:37
